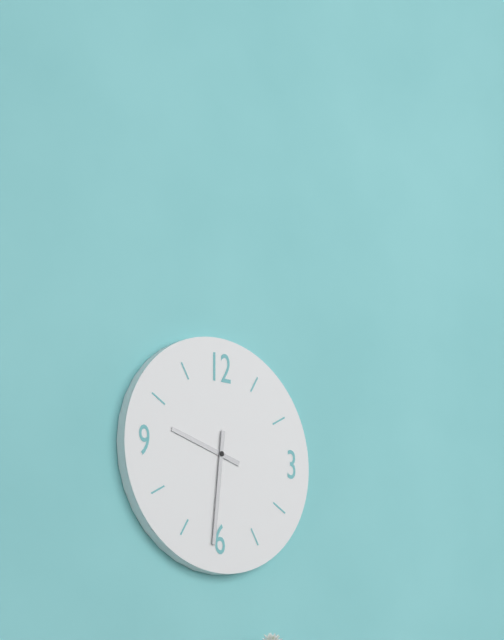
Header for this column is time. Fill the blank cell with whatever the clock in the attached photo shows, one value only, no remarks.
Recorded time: 9:31
